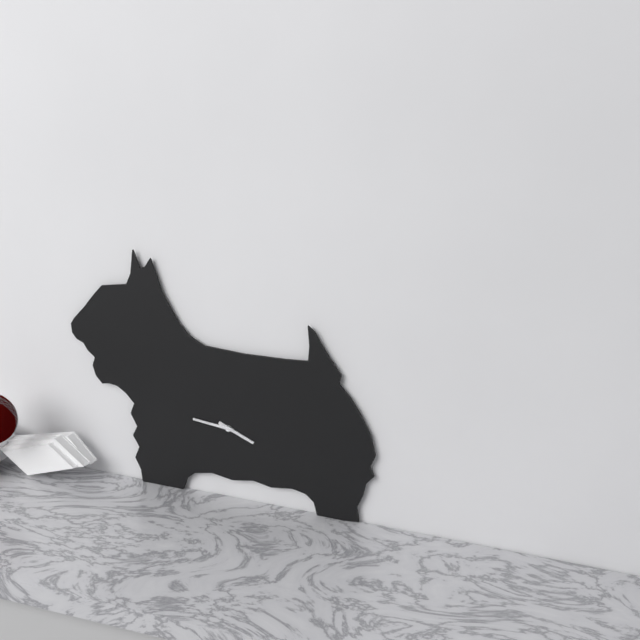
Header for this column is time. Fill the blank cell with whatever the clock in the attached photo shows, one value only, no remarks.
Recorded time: 3:46
